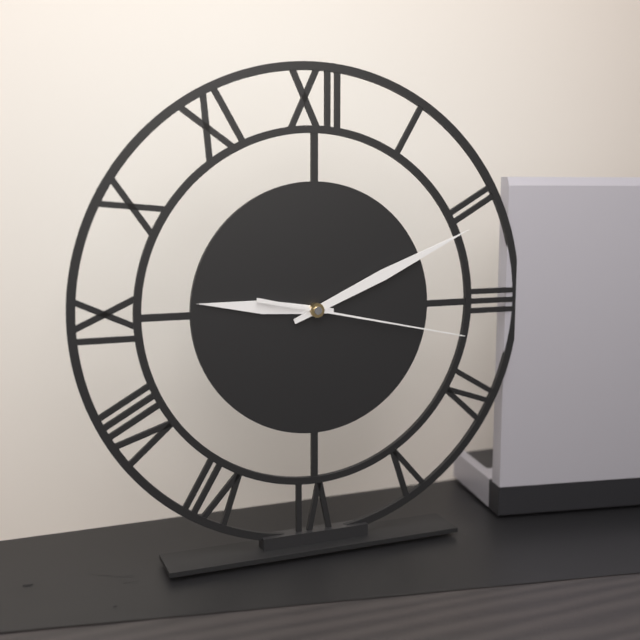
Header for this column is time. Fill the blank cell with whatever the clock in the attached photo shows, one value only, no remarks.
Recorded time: 9:11:17
